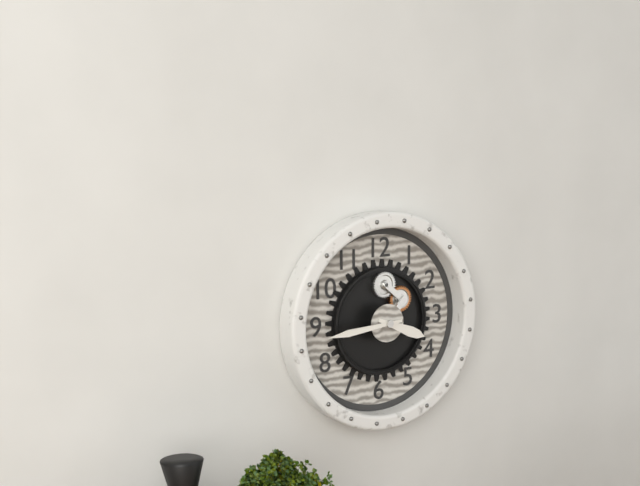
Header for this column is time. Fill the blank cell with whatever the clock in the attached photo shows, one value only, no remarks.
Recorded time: 3:44
